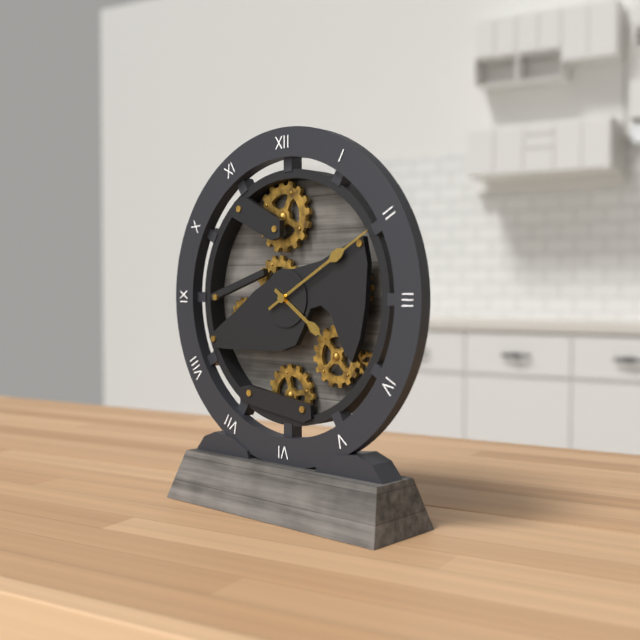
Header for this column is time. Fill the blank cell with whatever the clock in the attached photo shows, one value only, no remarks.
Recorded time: 4:10
